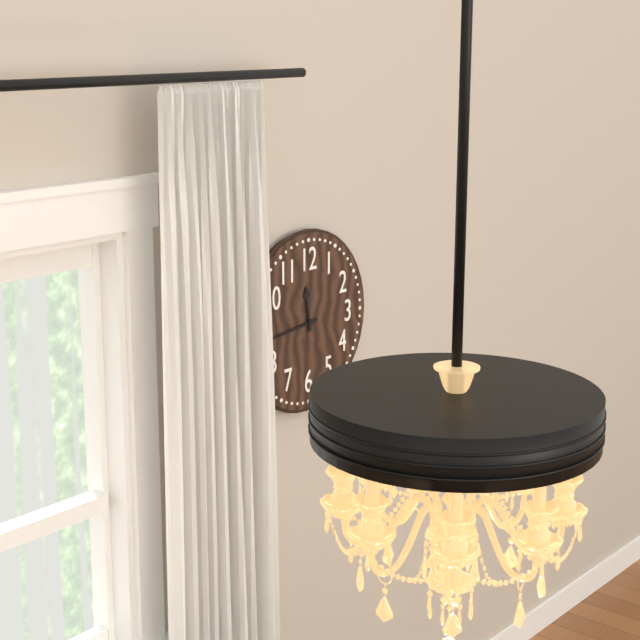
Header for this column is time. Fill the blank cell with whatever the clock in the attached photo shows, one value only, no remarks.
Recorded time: 11:44
